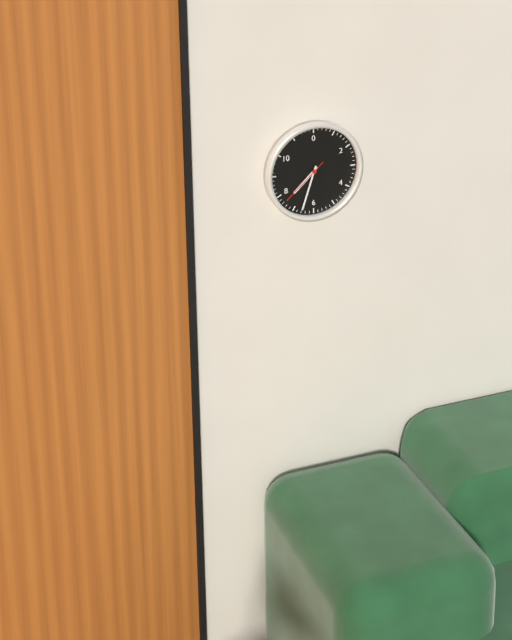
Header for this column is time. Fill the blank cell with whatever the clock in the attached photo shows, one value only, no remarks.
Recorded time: 7:33:38
